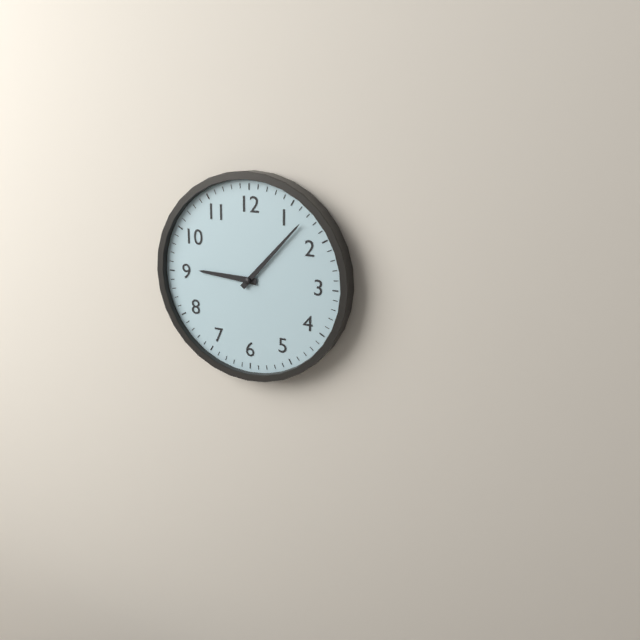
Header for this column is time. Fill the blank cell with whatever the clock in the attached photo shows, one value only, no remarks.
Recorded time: 9:07
